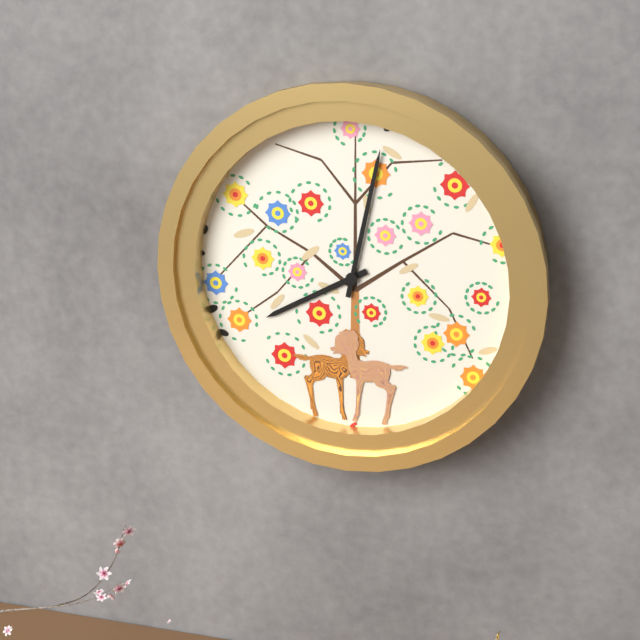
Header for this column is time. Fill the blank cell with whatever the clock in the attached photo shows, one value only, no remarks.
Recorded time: 8:02
